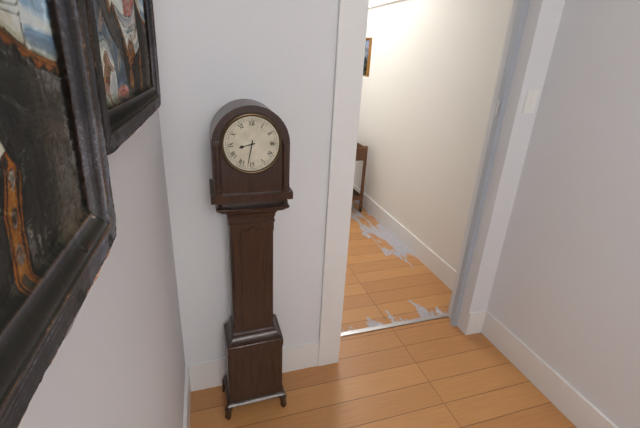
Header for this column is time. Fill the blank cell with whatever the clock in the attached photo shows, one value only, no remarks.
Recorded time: 8:32
